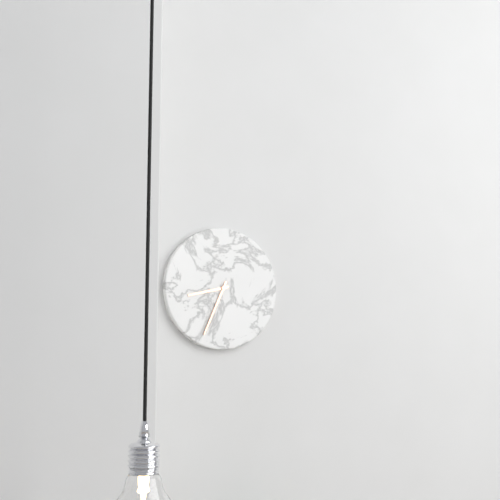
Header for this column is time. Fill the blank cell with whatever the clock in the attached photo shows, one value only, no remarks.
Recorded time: 8:34
